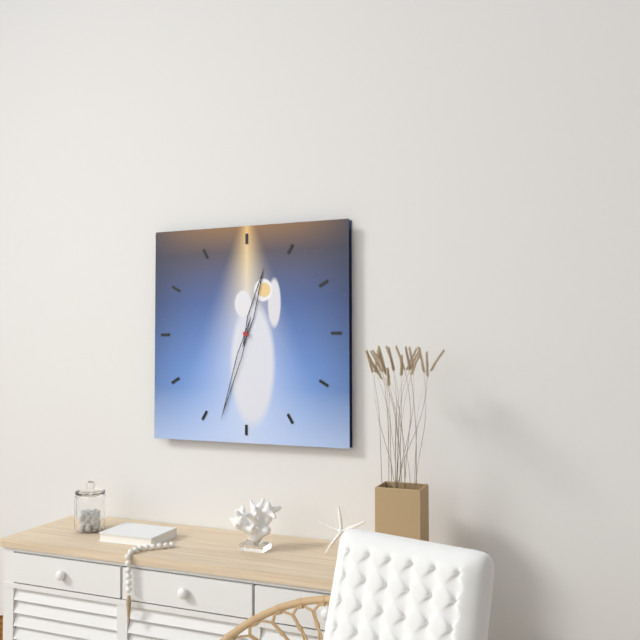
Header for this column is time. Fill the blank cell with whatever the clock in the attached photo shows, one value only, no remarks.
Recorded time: 12:33
